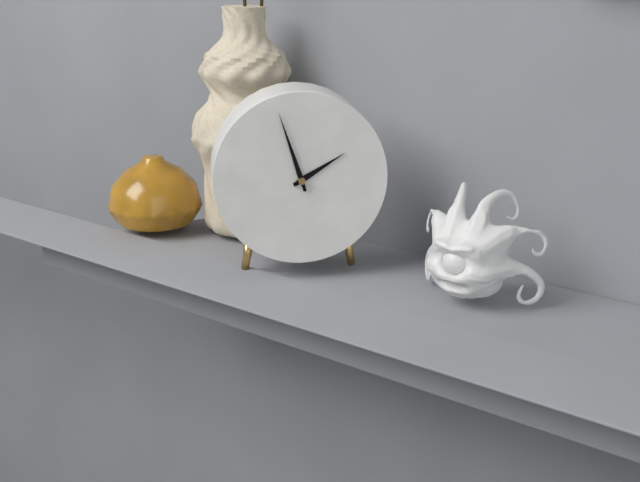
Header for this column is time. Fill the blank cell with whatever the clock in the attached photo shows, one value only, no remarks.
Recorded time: 1:57
